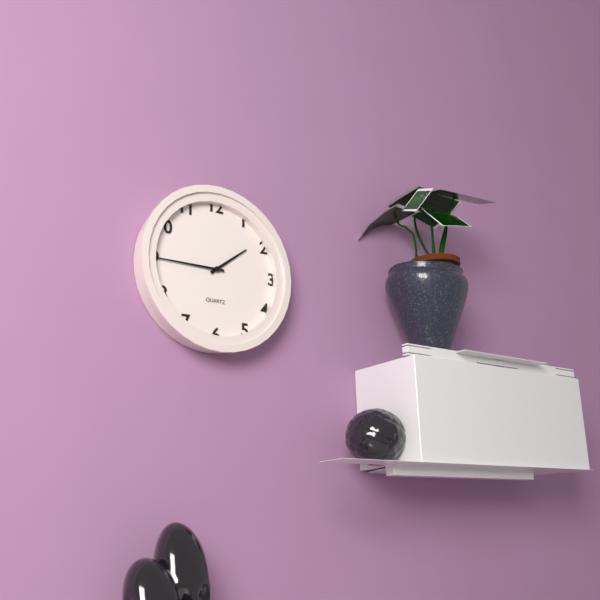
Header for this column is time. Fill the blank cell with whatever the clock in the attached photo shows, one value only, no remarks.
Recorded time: 1:45
